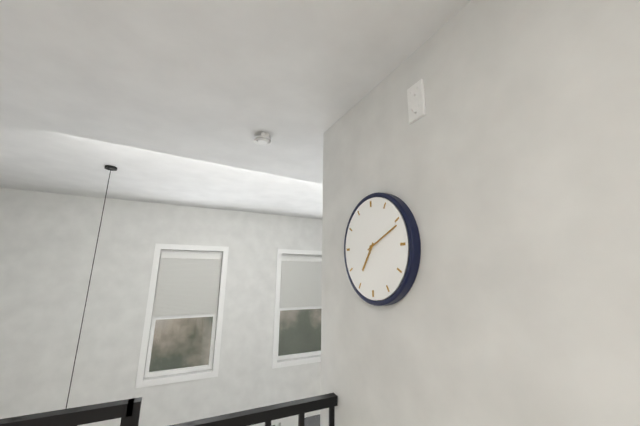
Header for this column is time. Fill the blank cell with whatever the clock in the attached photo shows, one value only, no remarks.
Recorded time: 7:11
